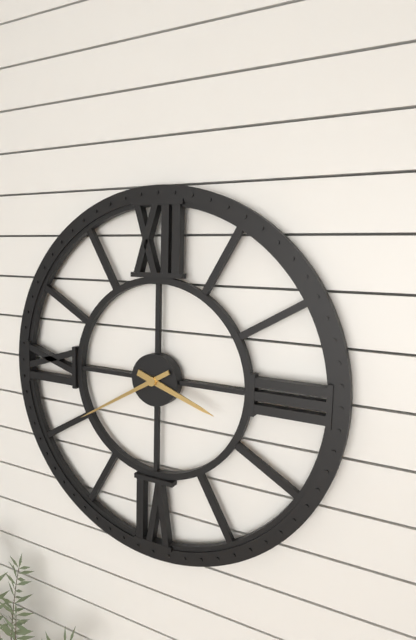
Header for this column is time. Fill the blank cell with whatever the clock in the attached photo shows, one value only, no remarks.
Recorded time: 3:40
